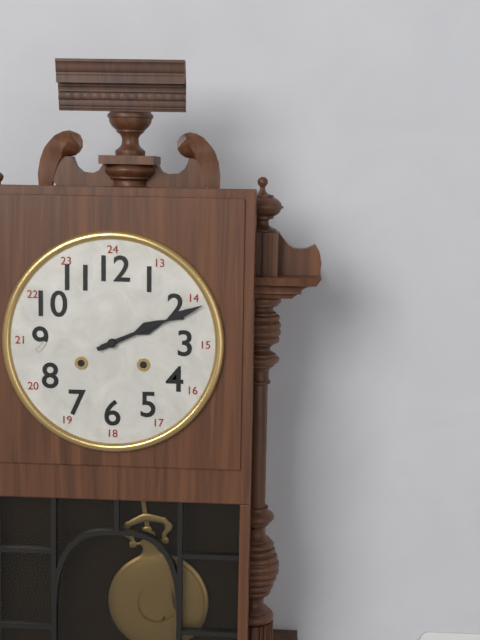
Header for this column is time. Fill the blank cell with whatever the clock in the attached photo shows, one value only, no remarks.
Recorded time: 2:11
